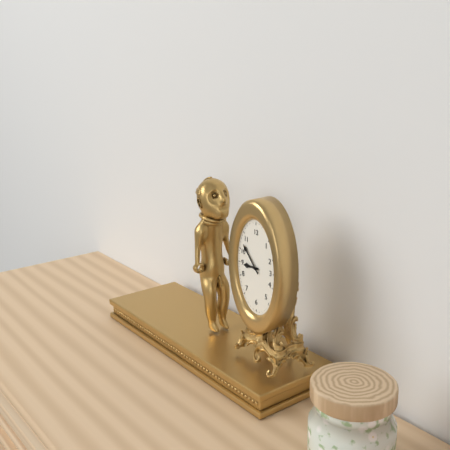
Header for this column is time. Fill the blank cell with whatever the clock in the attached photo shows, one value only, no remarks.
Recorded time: 8:53
